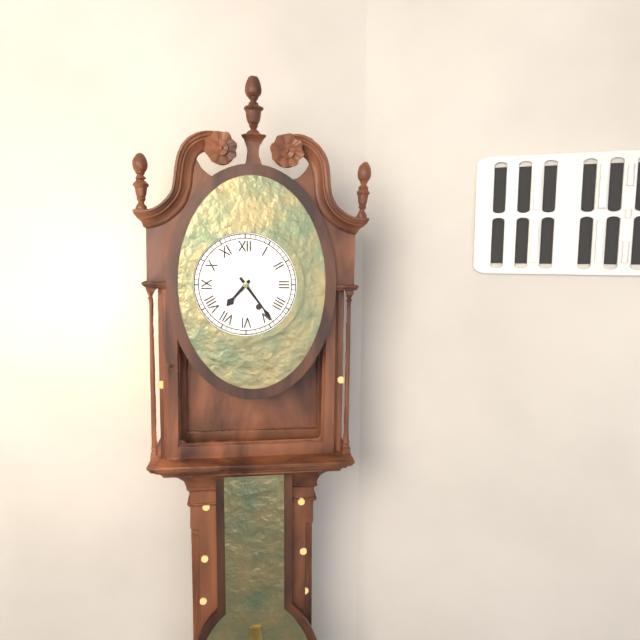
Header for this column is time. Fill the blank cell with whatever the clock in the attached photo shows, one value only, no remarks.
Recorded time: 7:24
